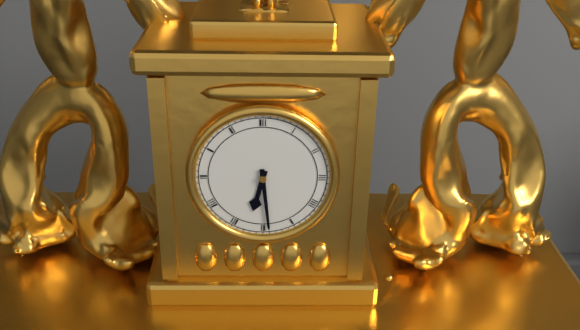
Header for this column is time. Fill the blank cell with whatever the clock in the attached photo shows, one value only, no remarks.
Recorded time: 6:29
